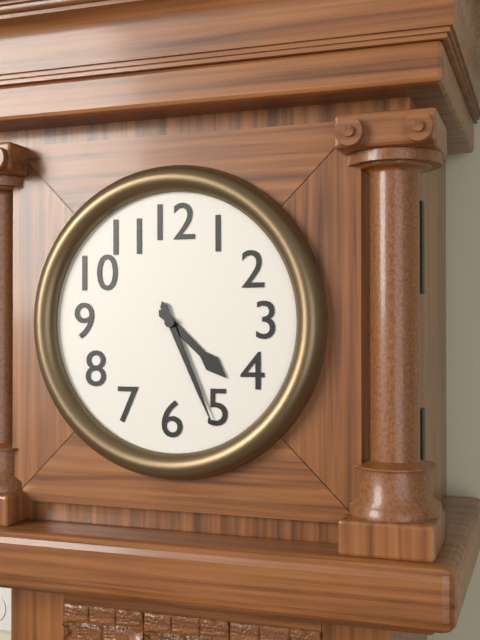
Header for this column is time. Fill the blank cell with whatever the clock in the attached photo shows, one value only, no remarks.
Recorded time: 4:26
